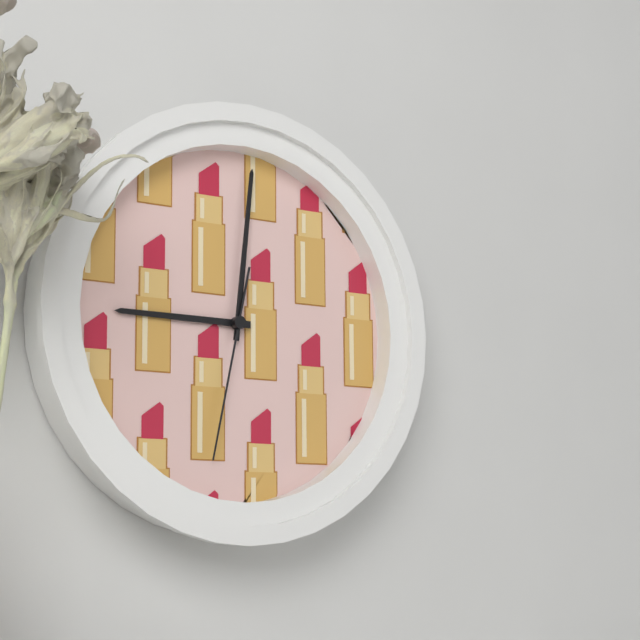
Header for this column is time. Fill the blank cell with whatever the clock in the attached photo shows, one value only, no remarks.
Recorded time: 9:01:32
